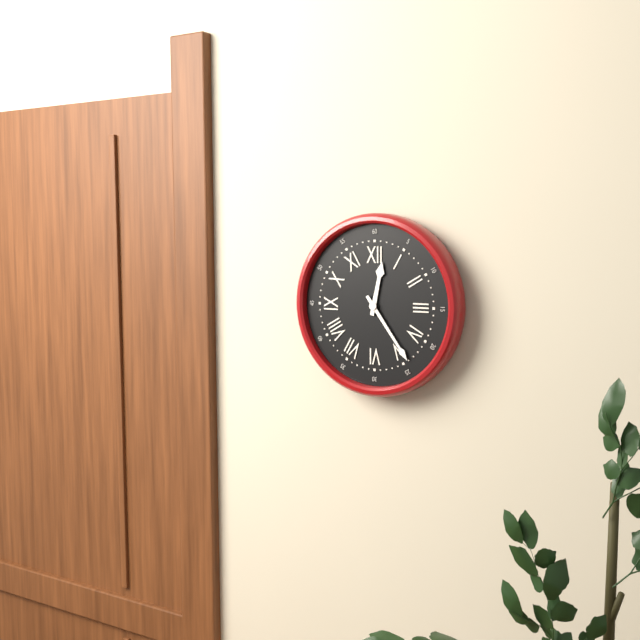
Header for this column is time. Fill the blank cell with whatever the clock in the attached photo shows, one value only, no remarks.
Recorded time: 12:24
